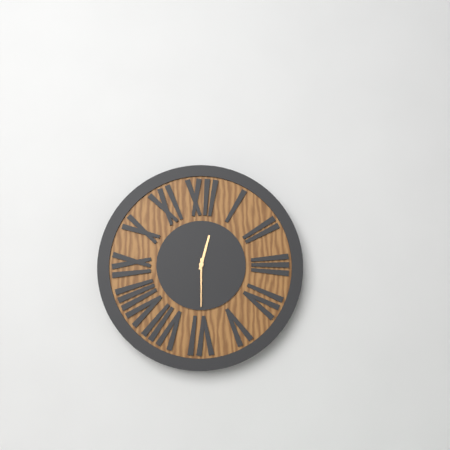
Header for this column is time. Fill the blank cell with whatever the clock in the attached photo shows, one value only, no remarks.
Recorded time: 12:30
